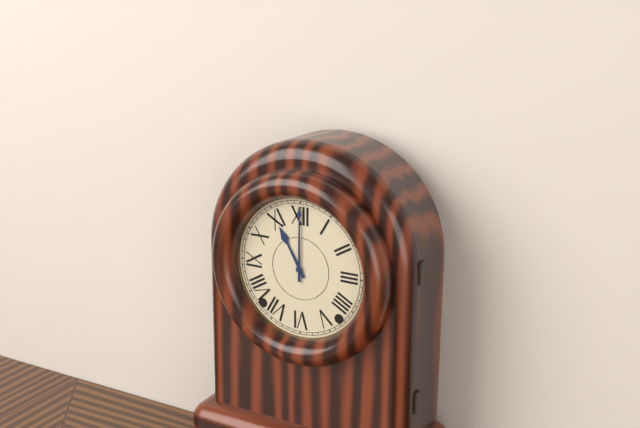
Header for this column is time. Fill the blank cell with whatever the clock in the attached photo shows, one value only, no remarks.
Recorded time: 11:00
